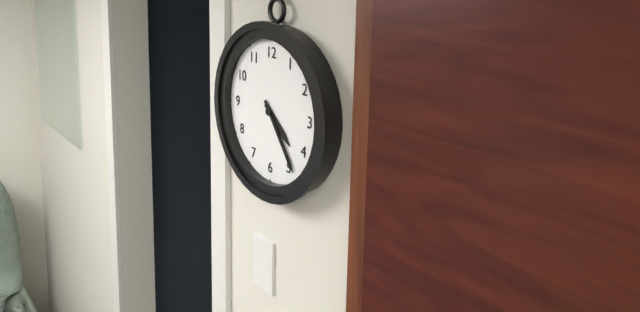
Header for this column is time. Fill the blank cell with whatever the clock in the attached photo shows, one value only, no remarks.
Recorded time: 4:24
